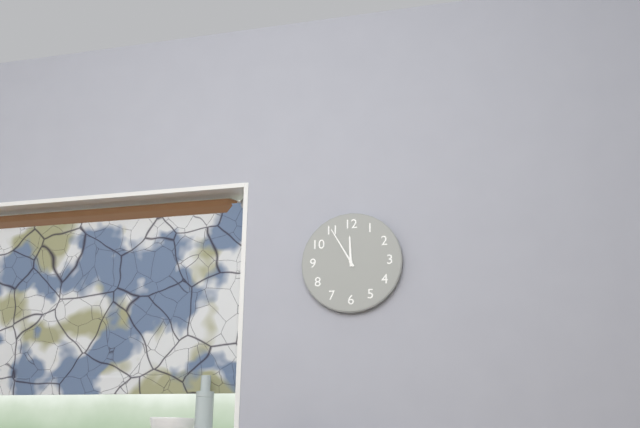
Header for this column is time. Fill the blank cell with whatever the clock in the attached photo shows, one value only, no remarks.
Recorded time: 11:55
